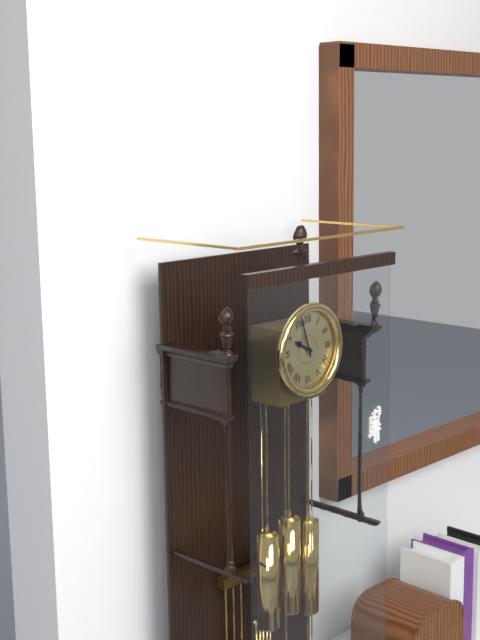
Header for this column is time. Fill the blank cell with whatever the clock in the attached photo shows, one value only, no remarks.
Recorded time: 9:57
